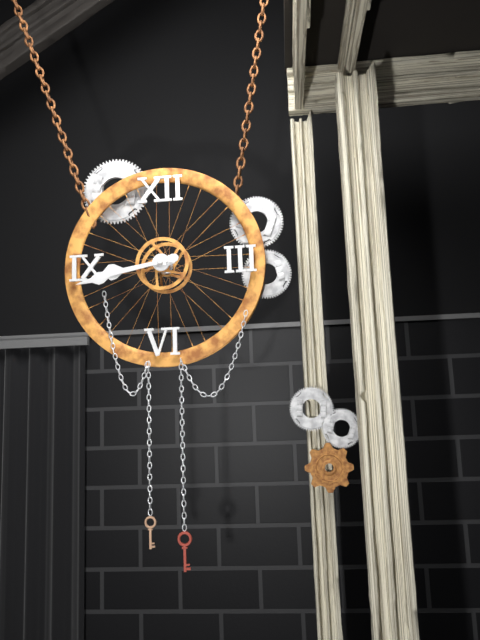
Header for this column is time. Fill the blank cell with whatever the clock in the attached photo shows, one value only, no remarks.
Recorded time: 8:43
